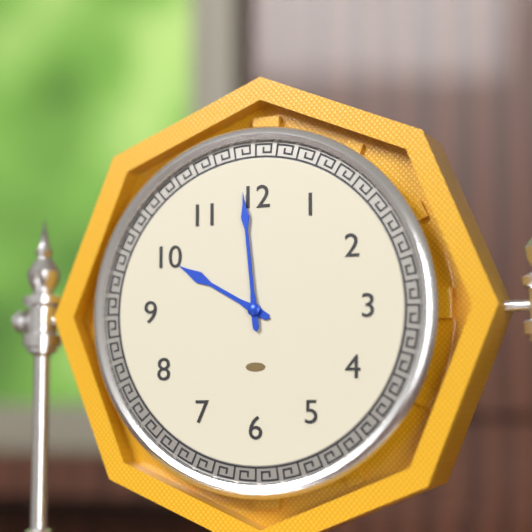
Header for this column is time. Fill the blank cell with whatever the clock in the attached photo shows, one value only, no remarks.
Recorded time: 9:59
